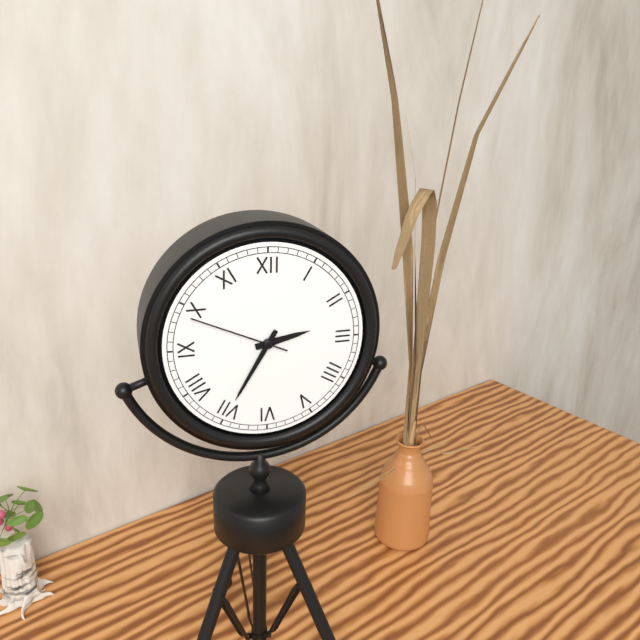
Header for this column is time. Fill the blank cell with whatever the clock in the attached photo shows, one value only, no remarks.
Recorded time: 2:35:49
